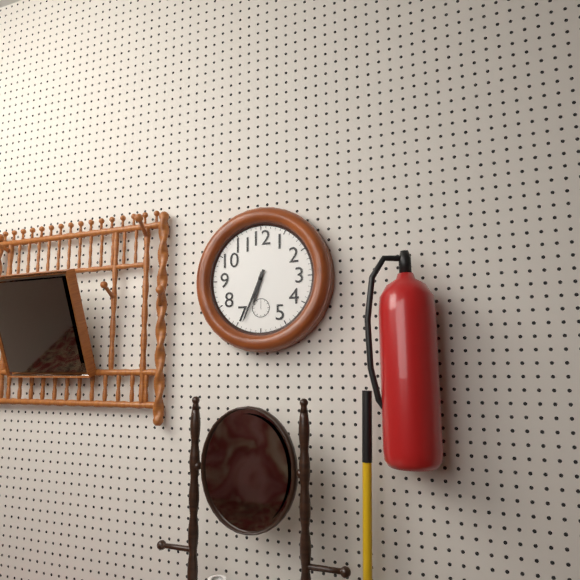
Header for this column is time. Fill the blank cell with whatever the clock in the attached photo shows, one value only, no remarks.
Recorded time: 6:34
